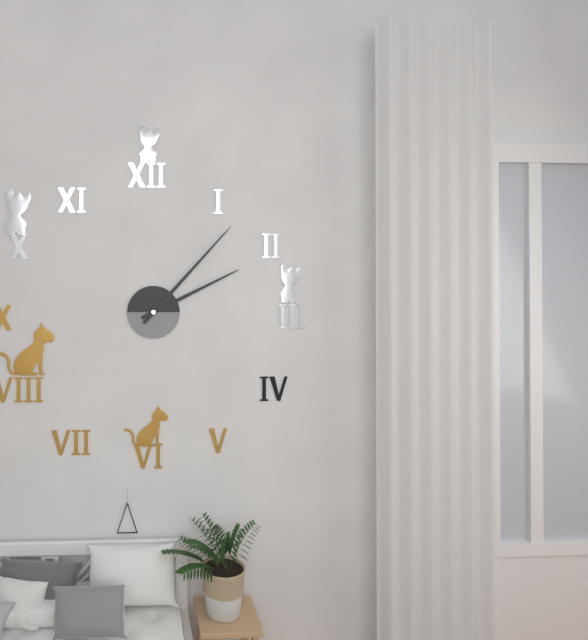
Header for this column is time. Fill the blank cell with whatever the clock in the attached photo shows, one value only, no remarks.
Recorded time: 2:07
